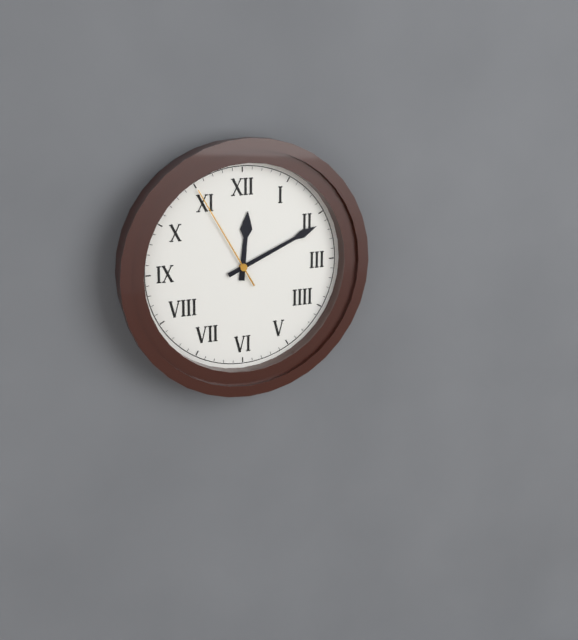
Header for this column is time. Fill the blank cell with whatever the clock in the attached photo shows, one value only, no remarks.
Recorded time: 12:11:55
